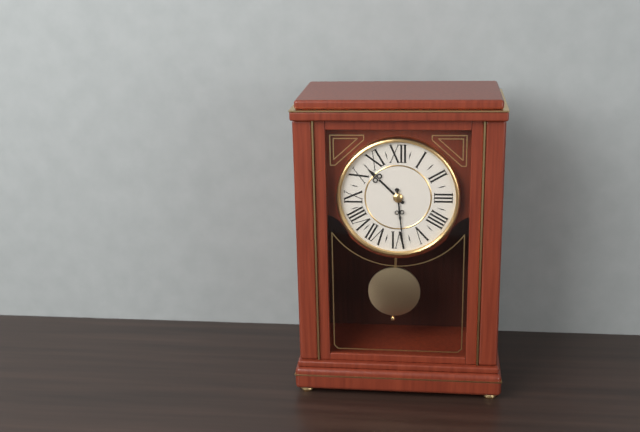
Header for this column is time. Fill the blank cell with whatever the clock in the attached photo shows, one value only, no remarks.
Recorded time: 10:29
